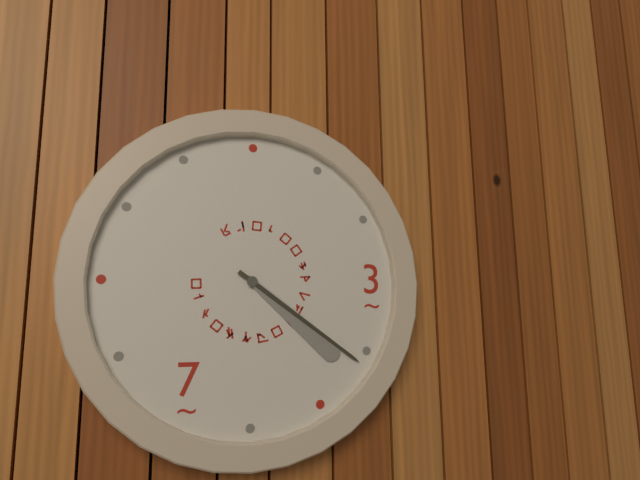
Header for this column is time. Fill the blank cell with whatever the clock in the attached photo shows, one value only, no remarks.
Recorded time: 4:21
